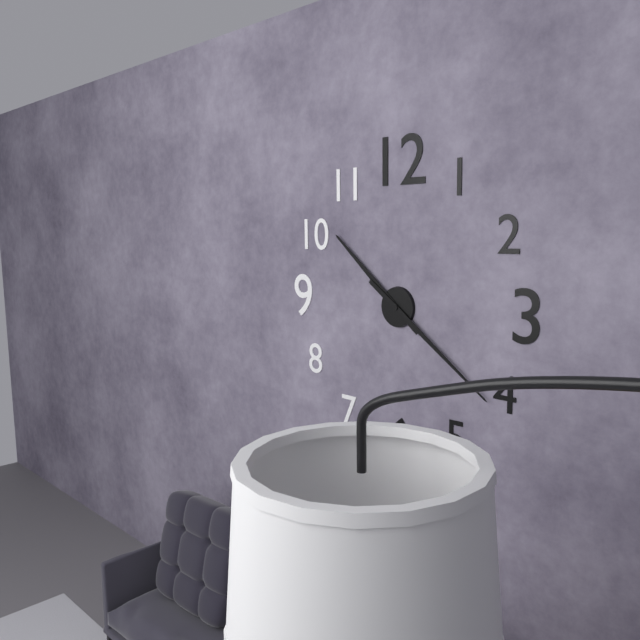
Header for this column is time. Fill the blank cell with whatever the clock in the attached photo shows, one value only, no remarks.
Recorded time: 10:21
